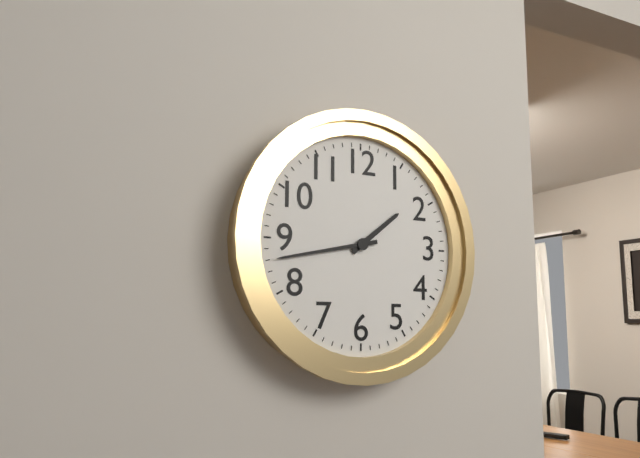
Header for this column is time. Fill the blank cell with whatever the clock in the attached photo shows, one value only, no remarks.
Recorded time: 1:43
